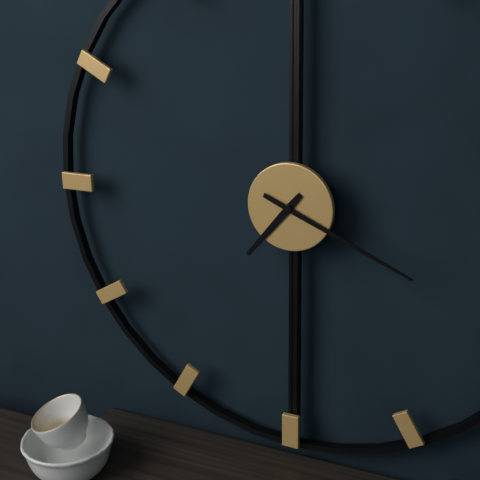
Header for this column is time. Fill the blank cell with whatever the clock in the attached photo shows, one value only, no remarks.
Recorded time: 7:19
